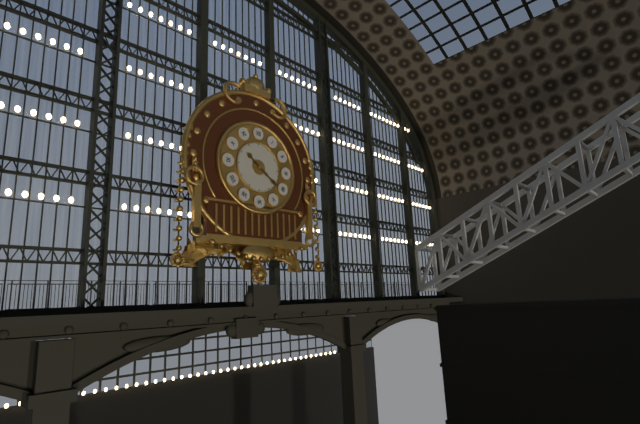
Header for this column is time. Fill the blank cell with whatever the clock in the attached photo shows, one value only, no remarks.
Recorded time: 10:21
